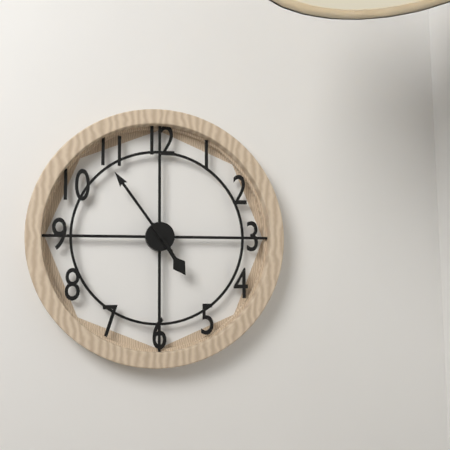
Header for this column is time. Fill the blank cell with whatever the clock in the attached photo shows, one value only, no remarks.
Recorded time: 4:54
